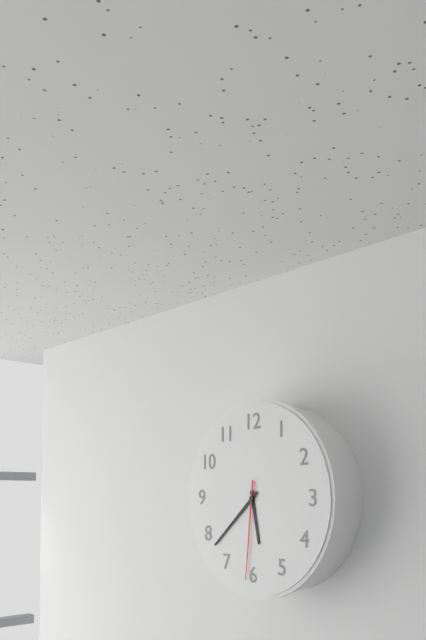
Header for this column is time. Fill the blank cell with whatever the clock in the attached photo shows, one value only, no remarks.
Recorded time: 5:38:31
